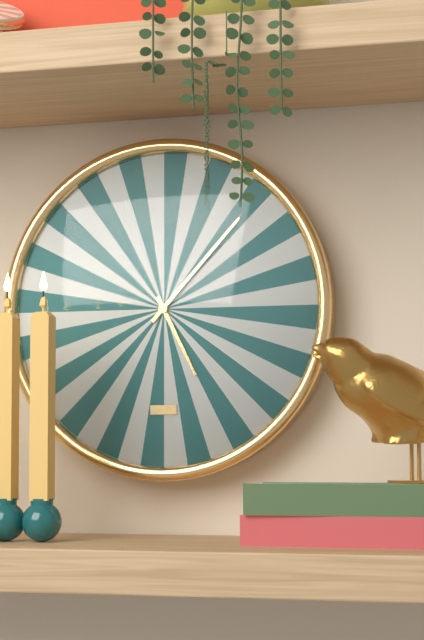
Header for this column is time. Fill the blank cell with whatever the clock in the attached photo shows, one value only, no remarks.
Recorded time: 5:07
